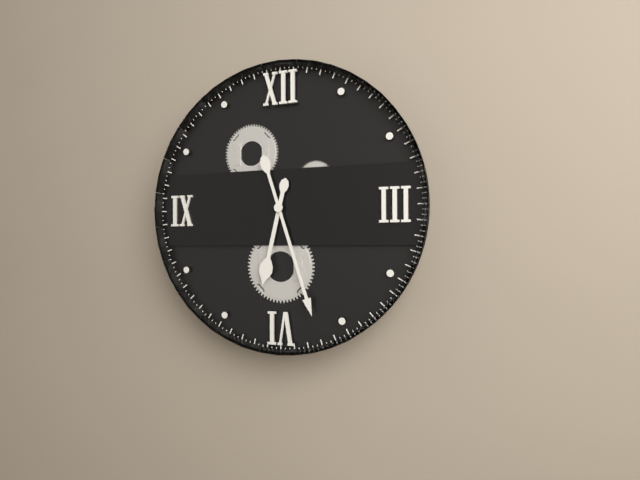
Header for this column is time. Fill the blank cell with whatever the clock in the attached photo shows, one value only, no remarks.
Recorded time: 6:27
